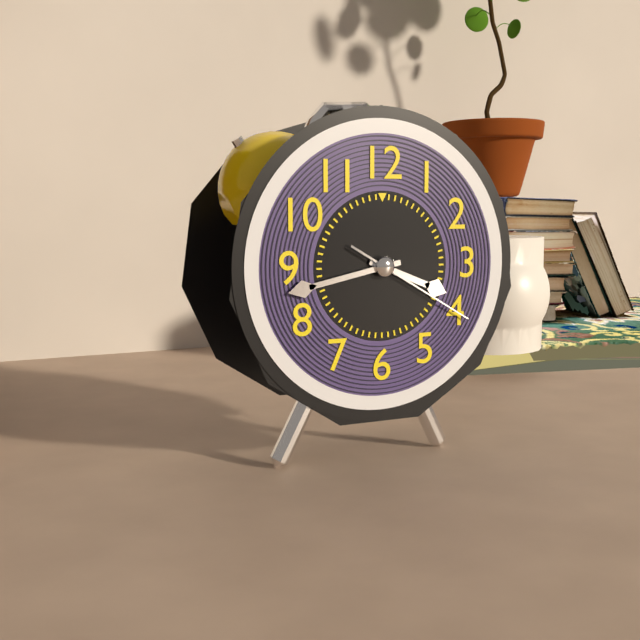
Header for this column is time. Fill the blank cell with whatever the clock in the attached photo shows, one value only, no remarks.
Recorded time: 3:43:20
